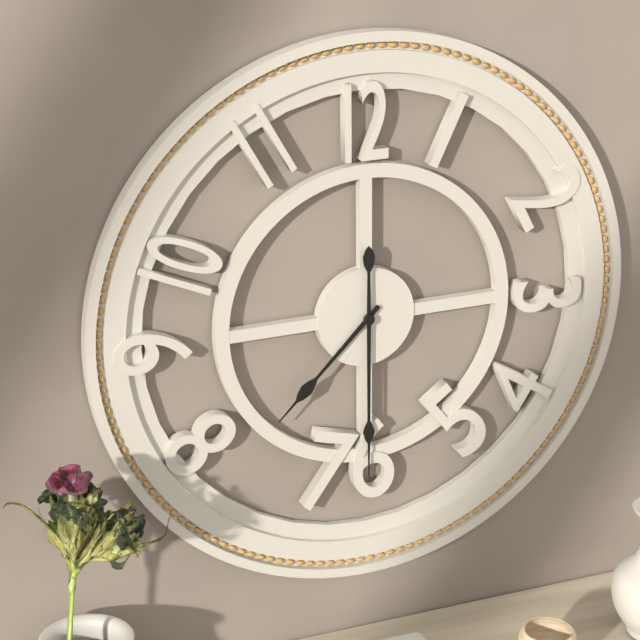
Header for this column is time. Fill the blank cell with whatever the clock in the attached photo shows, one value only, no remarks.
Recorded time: 7:30
